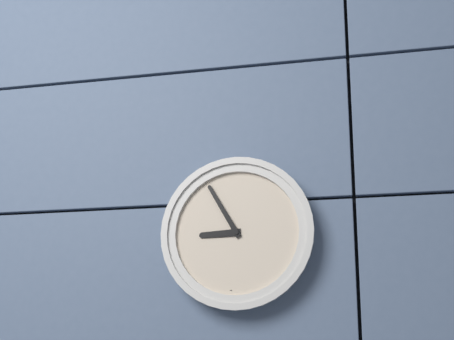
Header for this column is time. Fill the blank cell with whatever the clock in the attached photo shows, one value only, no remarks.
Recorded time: 8:55
